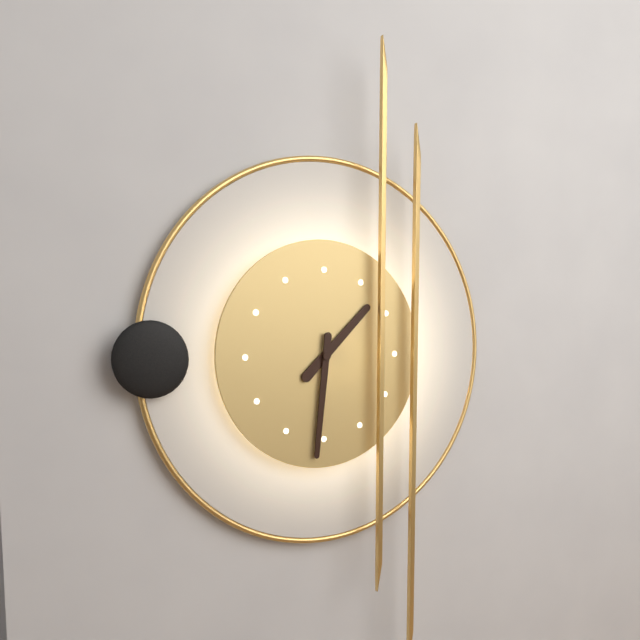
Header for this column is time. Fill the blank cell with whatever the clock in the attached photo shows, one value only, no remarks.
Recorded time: 1:31
